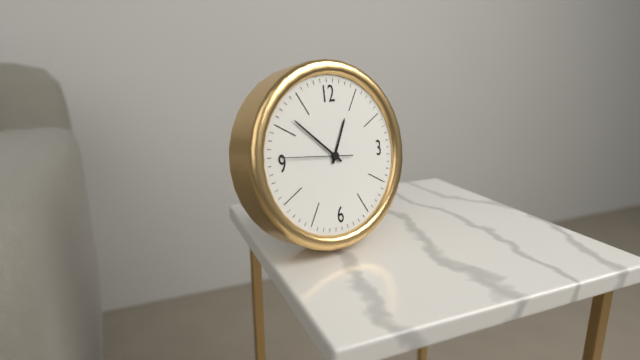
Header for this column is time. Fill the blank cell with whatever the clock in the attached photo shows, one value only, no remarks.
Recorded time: 12:52:46
